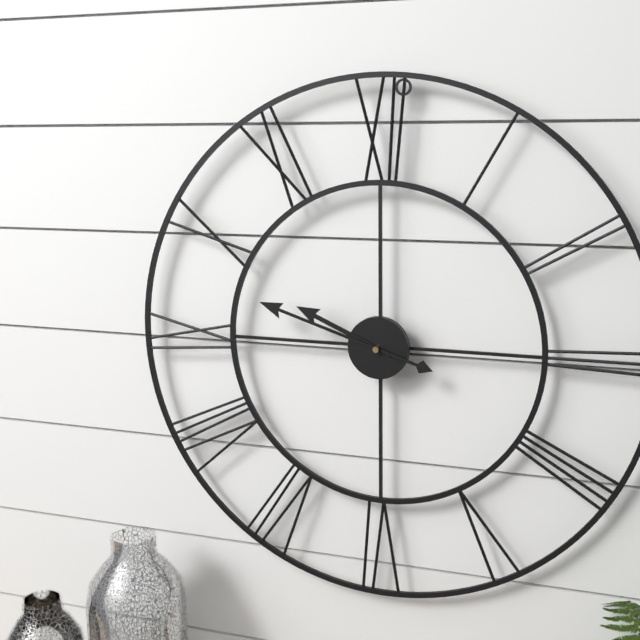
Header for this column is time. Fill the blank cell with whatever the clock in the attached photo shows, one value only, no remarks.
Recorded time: 9:48
